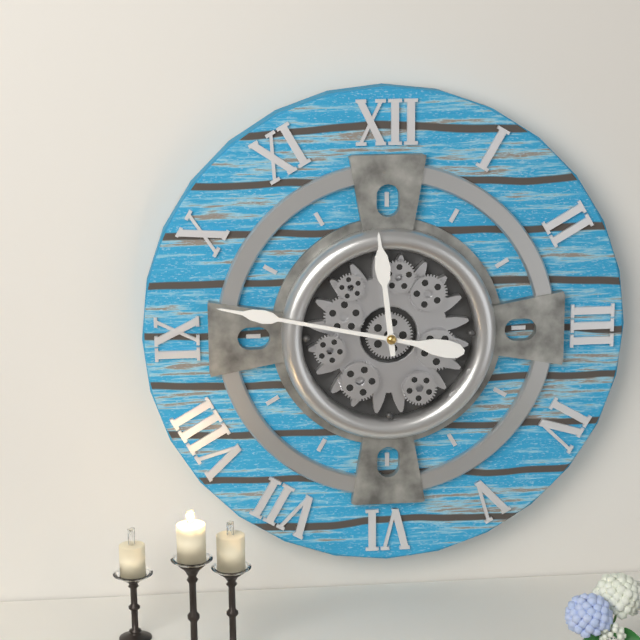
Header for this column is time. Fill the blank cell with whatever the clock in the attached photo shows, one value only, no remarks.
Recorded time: 11:47
